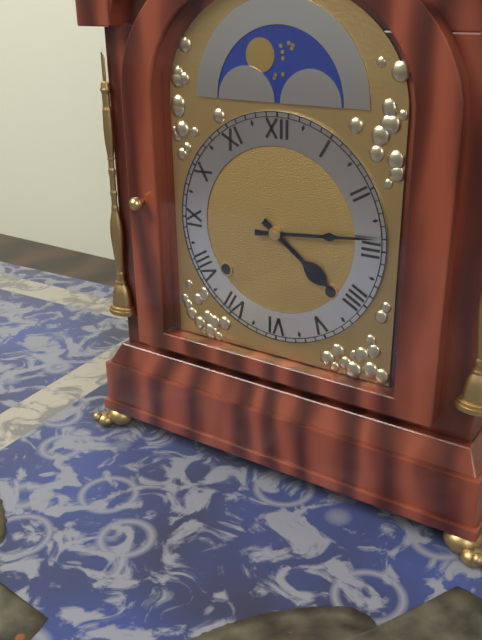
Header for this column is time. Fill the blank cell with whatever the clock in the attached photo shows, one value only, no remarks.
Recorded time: 4:14
